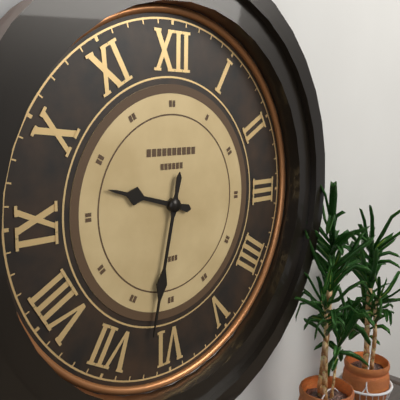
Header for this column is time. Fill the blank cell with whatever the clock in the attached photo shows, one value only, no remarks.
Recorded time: 9:32
